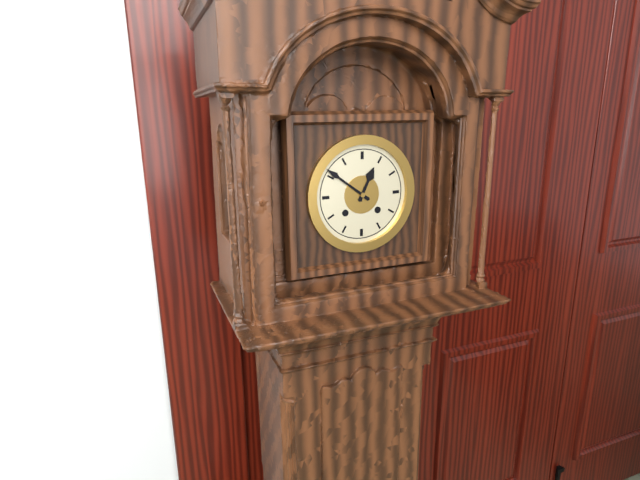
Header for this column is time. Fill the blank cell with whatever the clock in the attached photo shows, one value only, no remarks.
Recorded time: 12:51
